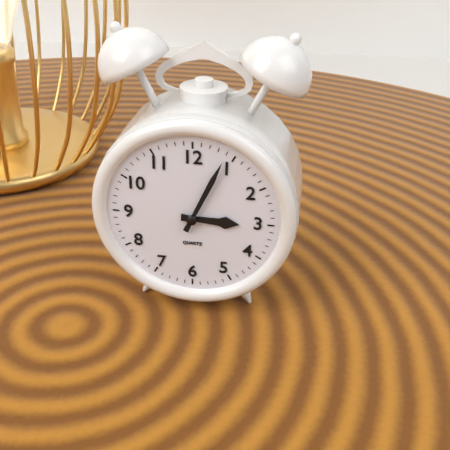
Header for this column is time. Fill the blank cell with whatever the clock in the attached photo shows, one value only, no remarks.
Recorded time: 3:04
